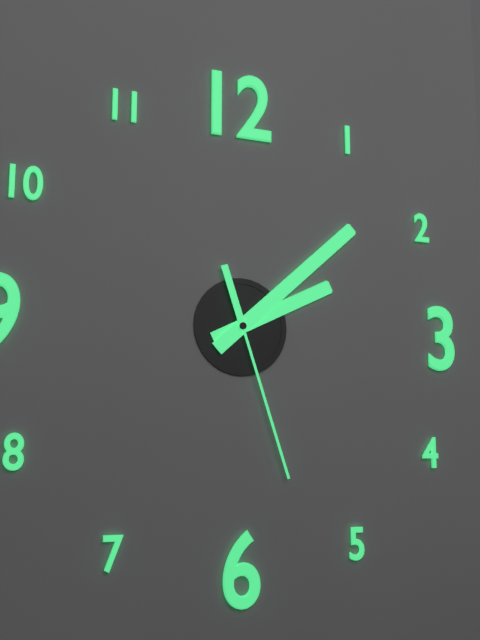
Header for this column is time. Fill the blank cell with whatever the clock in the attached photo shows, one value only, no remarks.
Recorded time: 2:08:27
